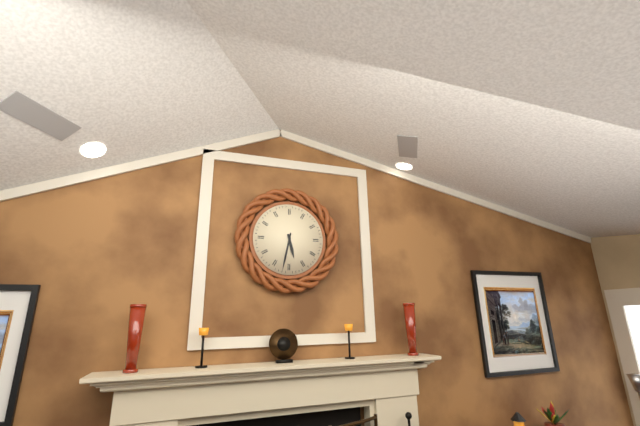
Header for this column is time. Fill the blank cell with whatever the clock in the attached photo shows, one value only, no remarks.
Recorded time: 5:32
